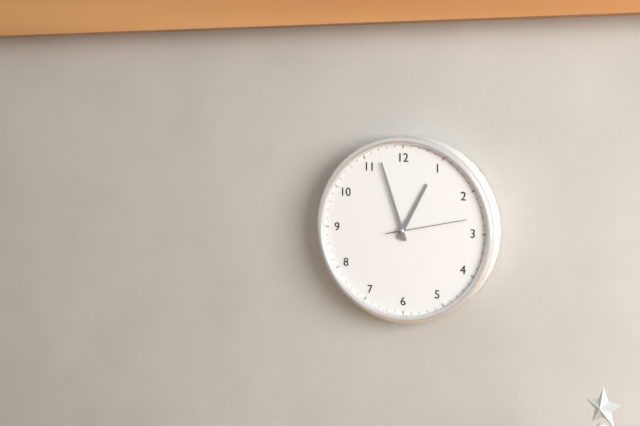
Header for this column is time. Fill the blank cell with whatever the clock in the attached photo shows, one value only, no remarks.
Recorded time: 12:57:13
